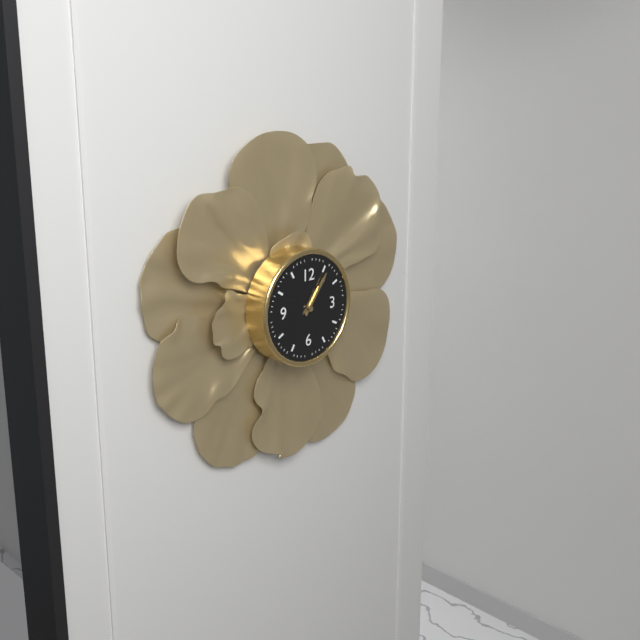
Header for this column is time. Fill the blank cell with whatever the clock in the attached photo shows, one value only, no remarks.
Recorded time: 1:06
